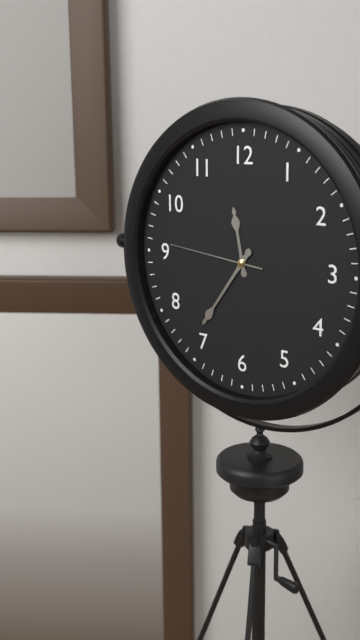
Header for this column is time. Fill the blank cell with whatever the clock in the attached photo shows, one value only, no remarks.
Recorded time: 11:36:46
